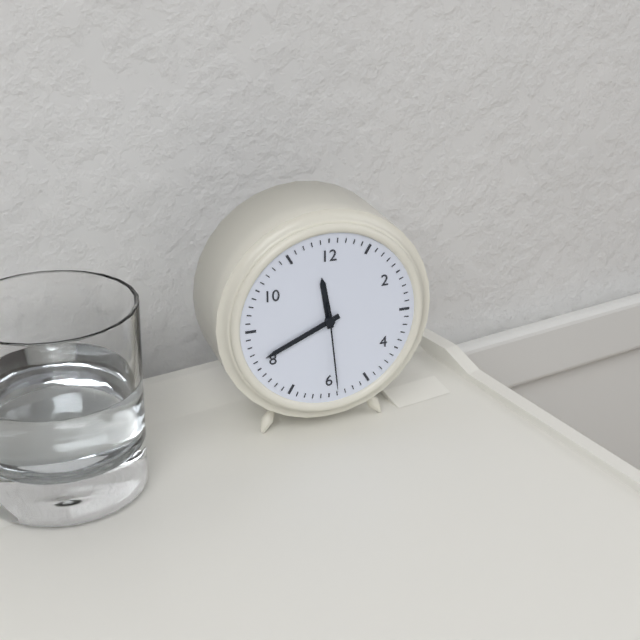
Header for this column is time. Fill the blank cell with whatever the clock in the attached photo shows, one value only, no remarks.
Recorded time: 11:41:29
